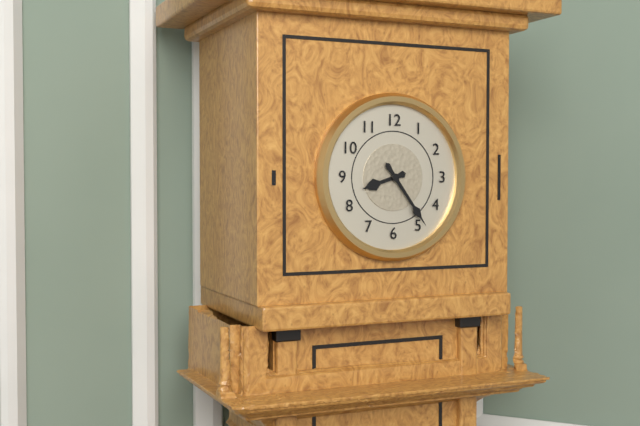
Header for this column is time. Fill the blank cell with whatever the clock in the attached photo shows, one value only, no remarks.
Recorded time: 8:24
